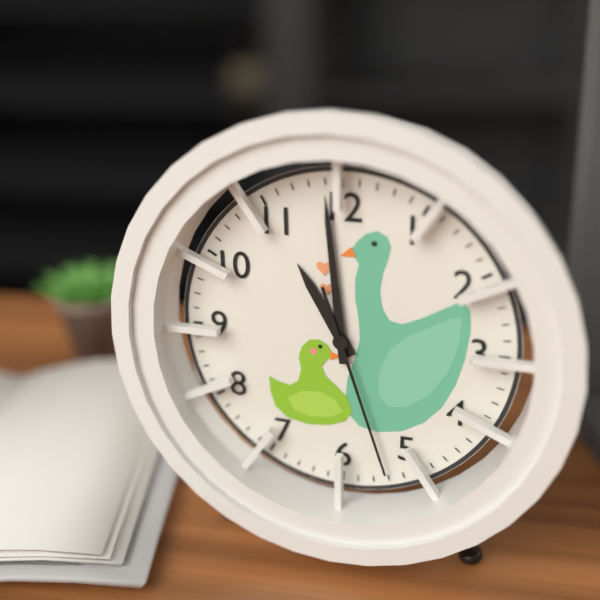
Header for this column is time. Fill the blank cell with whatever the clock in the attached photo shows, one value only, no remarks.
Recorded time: 10:59:27
